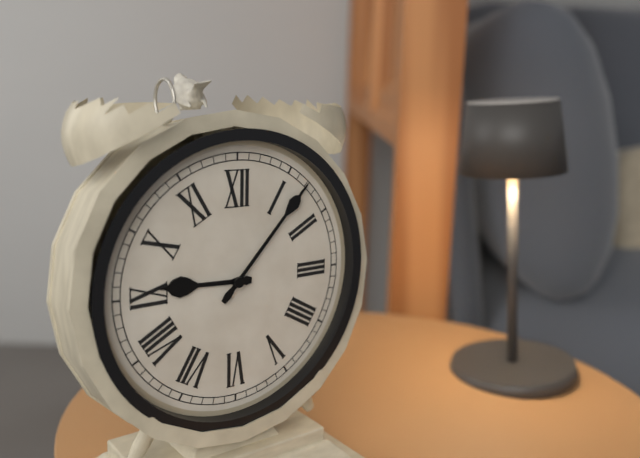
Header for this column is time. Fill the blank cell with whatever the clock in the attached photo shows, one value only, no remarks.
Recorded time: 9:07
